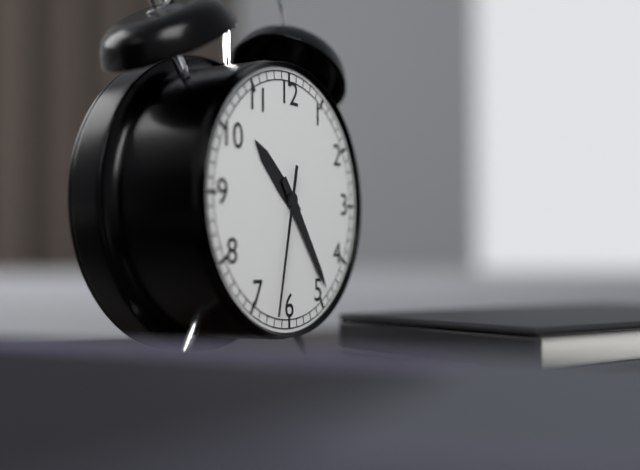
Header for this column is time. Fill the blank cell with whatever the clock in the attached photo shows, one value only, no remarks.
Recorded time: 10:24:32
